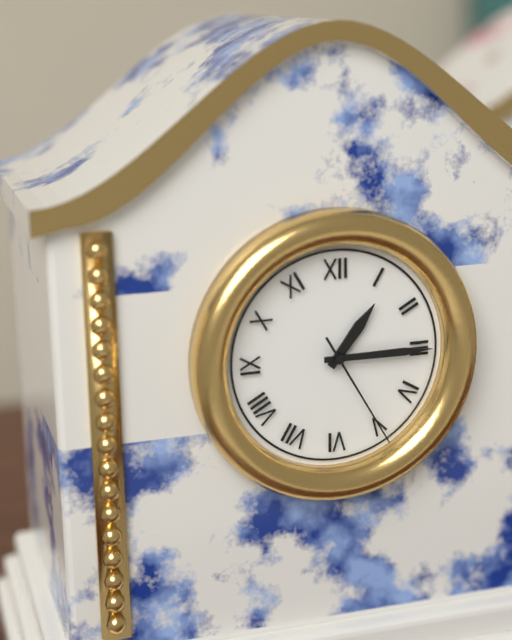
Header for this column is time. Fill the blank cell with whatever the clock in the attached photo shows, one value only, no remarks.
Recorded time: 1:15:25
